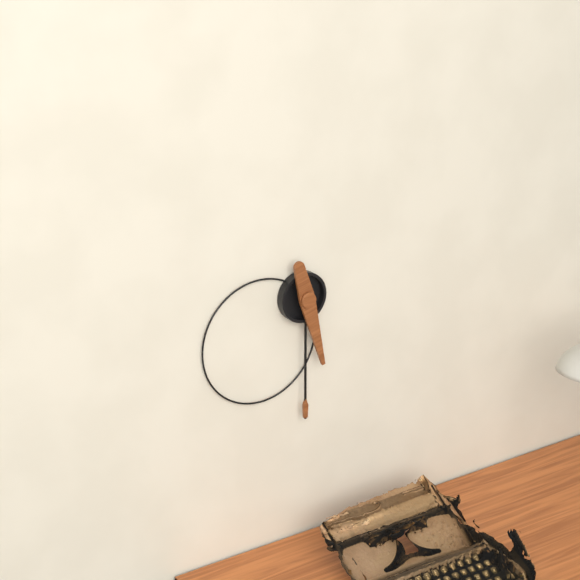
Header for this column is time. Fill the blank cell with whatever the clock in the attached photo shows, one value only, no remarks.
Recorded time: 5:30
